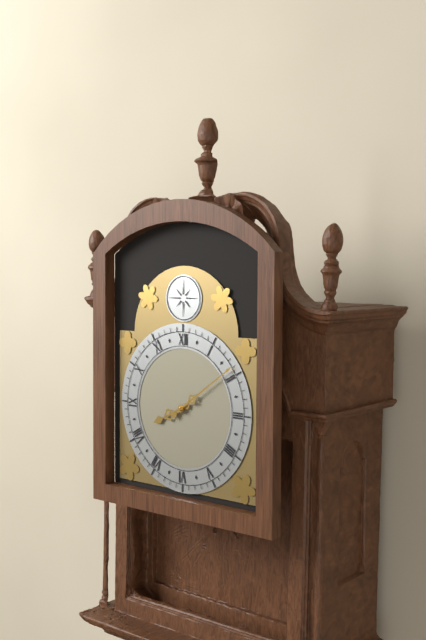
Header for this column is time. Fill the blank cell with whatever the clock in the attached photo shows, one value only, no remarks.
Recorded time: 8:09
